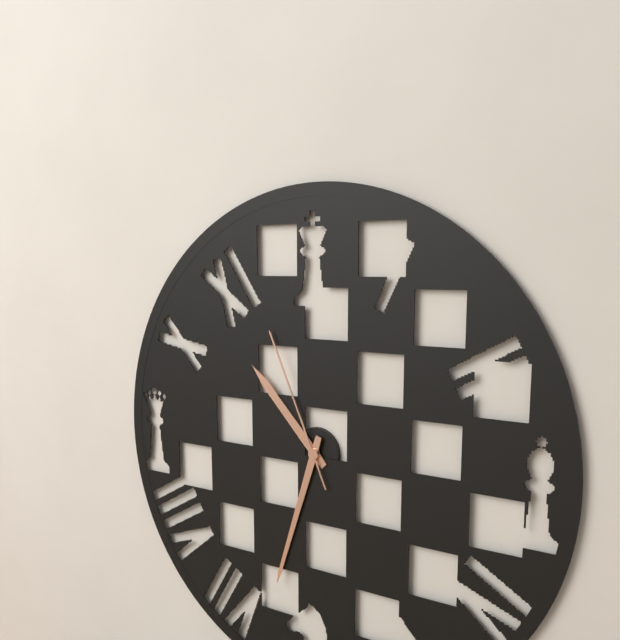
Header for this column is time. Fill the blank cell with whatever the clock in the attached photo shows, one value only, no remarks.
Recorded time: 10:33:56
